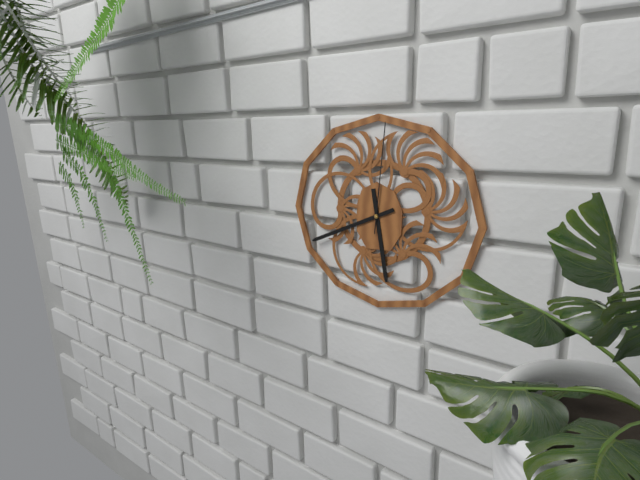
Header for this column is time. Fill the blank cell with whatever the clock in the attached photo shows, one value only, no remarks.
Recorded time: 5:41:01
